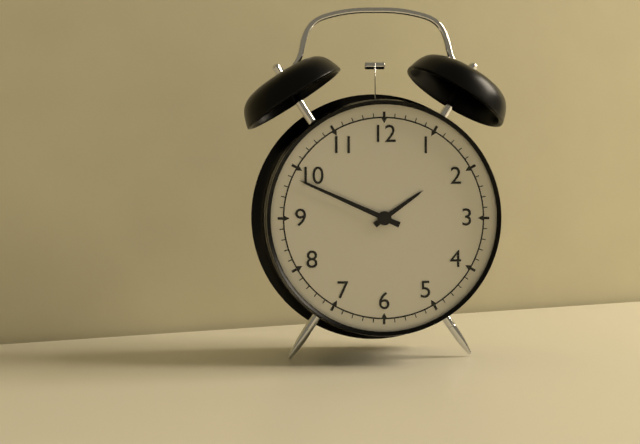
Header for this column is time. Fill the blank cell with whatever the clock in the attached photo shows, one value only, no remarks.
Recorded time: 1:49
